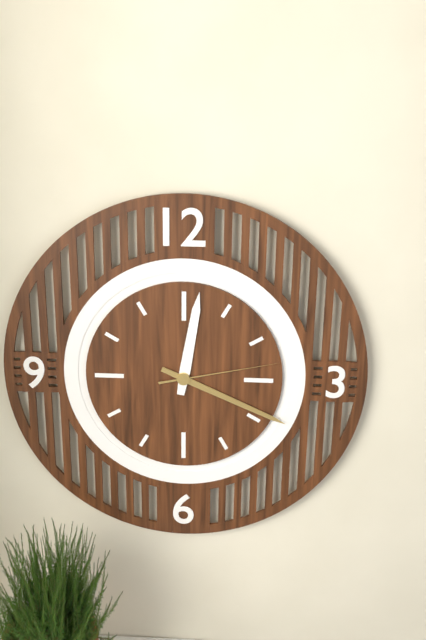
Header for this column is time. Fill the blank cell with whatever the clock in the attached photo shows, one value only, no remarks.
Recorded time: 12:19:13
